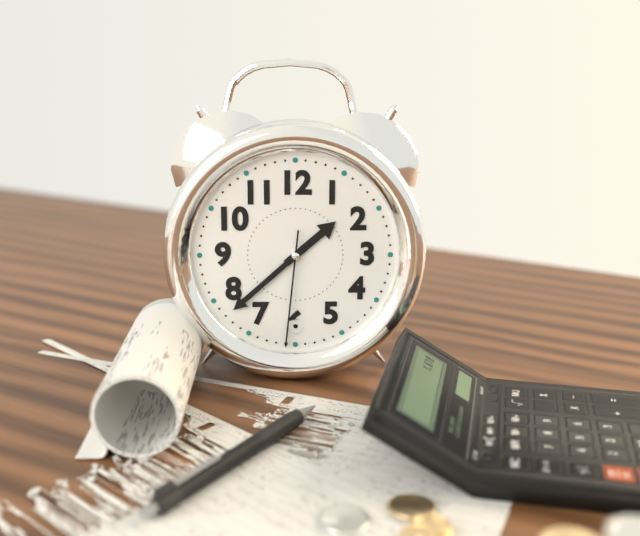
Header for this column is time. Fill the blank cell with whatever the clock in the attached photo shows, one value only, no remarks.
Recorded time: 1:38:31
